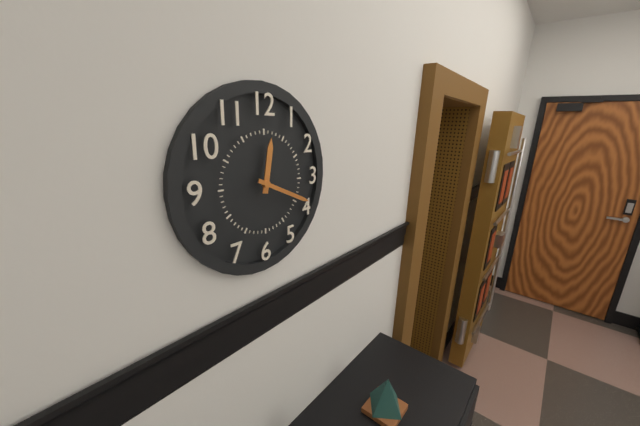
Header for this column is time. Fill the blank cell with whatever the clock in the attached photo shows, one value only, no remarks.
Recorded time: 12:19
